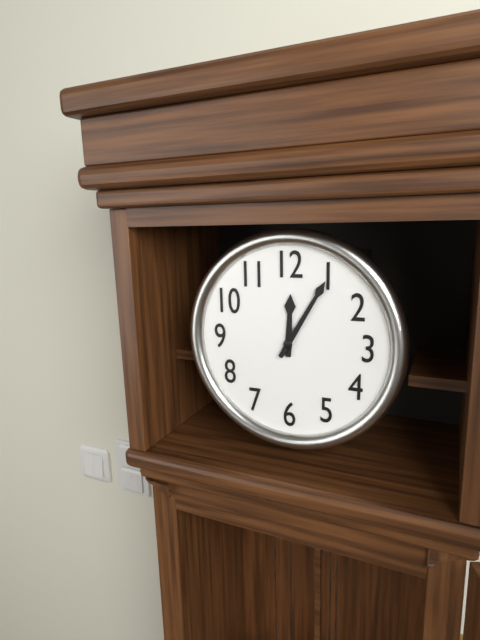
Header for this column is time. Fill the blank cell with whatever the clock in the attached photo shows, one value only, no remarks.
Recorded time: 12:05
